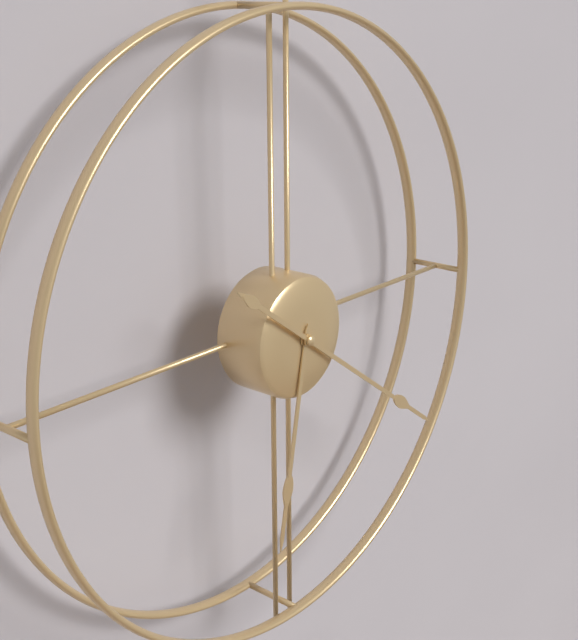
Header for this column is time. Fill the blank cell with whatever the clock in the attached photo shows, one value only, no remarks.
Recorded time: 6:21
